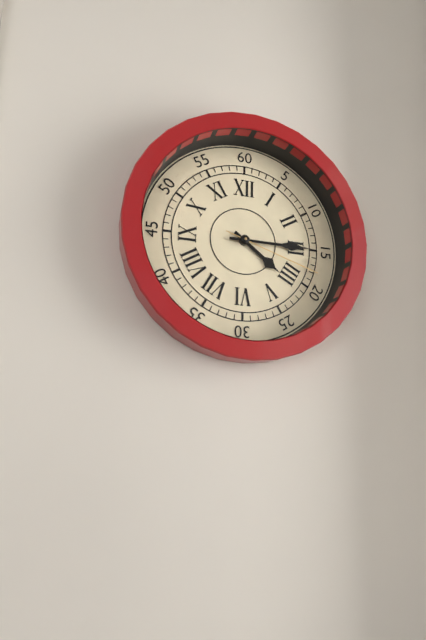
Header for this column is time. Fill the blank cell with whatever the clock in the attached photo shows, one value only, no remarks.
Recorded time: 4:15:18
